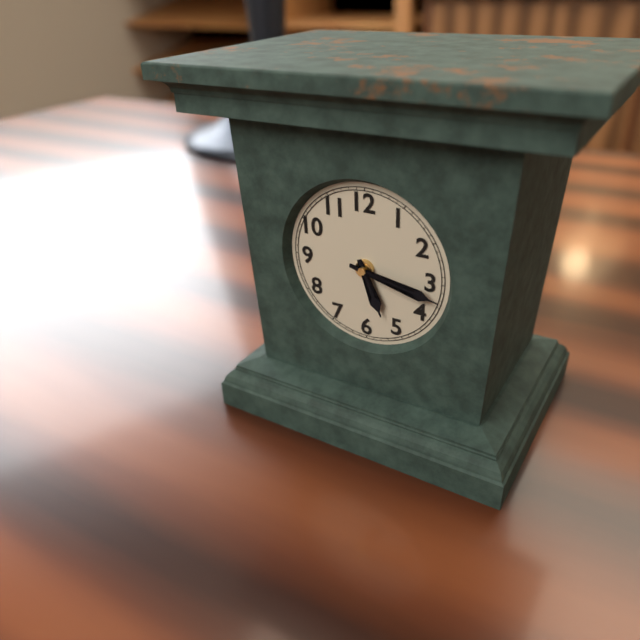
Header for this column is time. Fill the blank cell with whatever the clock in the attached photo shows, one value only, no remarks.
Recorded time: 5:17
